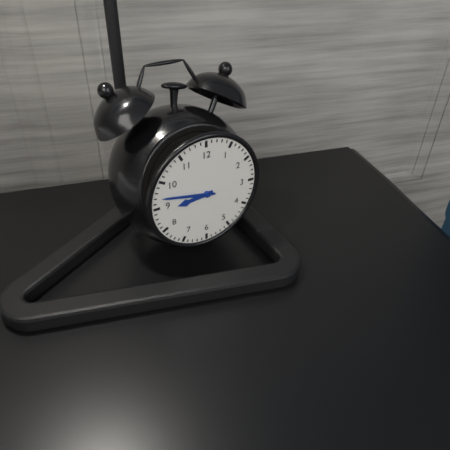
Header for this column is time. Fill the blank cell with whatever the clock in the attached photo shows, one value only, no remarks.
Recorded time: 8:47
